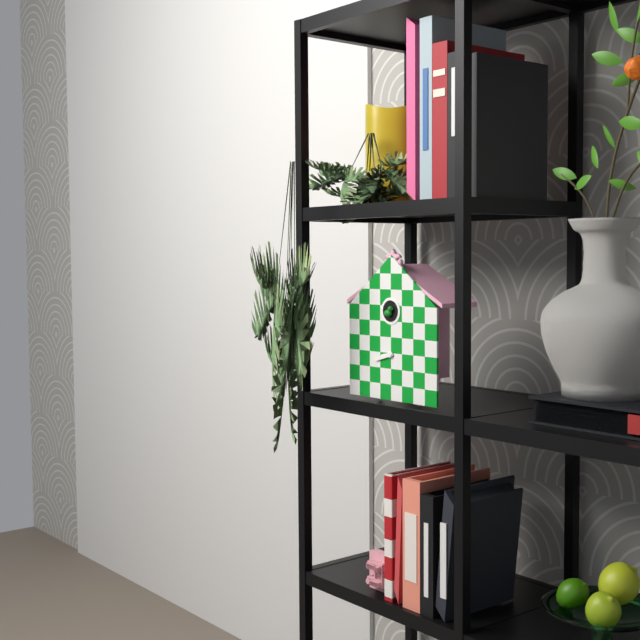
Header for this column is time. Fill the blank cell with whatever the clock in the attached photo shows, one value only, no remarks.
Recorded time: 8:42
